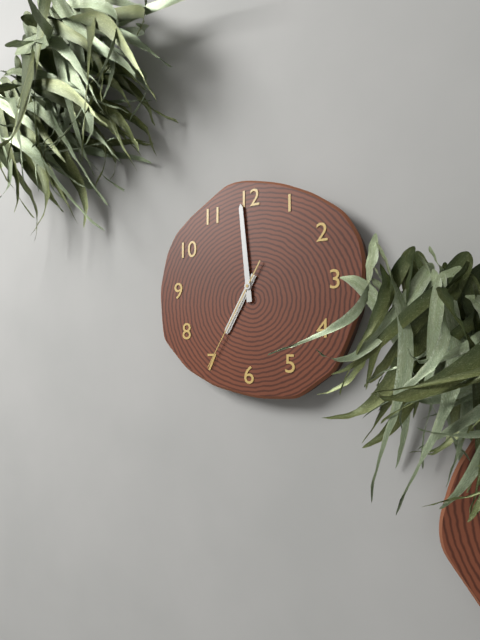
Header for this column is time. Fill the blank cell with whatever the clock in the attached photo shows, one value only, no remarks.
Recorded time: 6:59:35
